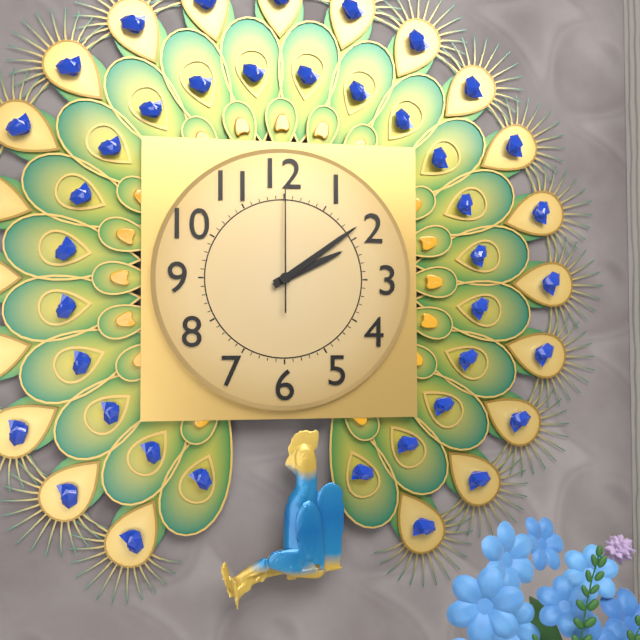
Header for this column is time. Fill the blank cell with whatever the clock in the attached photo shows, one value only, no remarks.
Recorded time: 2:09:00
